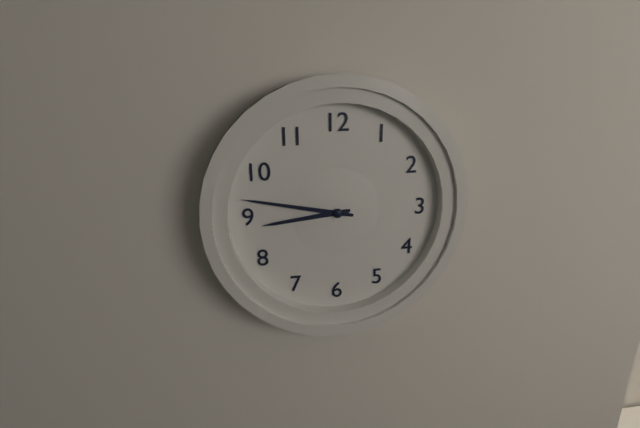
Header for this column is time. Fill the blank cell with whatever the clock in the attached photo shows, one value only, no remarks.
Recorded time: 8:47
